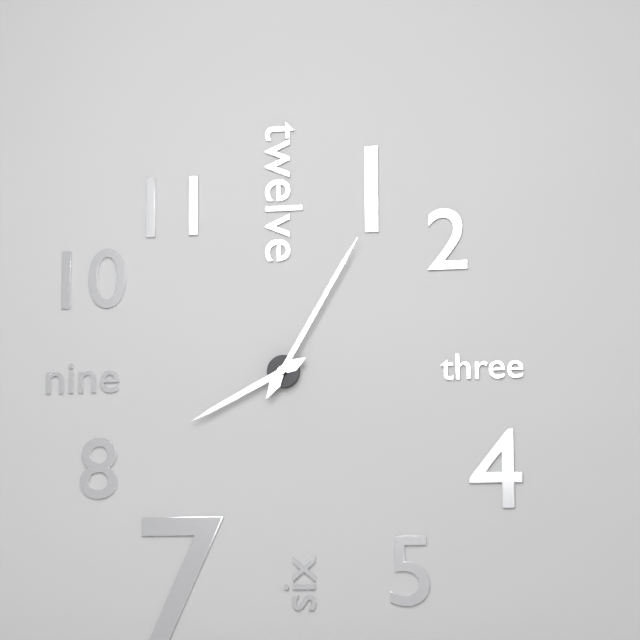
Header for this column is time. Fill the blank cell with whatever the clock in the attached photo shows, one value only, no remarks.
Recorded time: 8:05
